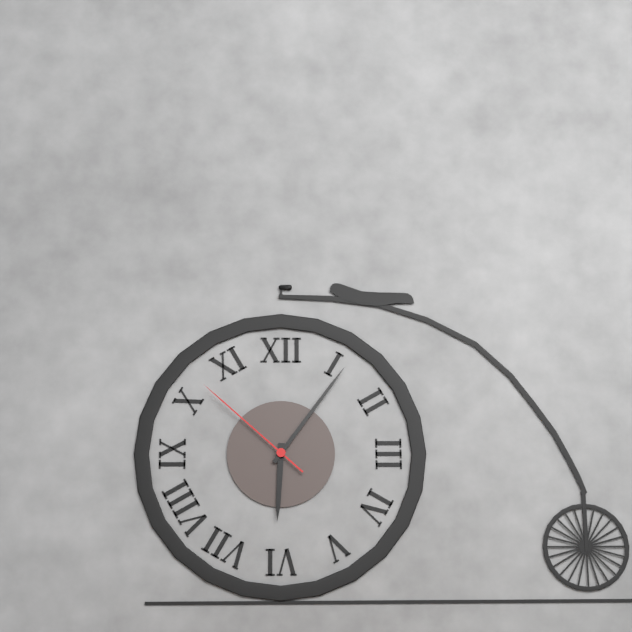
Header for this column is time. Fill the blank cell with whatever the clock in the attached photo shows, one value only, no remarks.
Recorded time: 6:06:52
